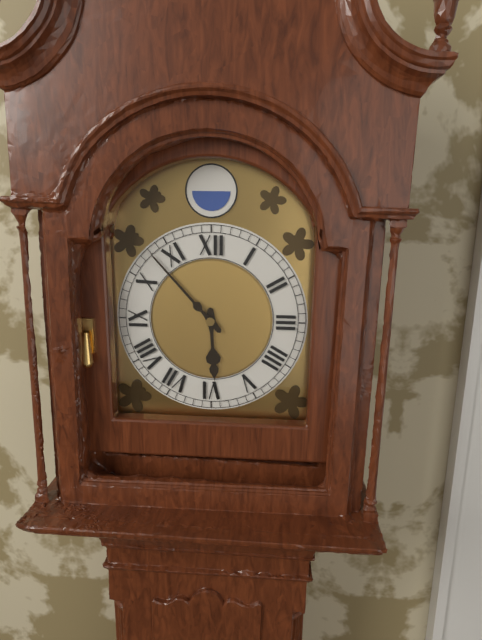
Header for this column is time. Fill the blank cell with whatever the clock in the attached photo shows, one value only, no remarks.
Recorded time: 5:53
